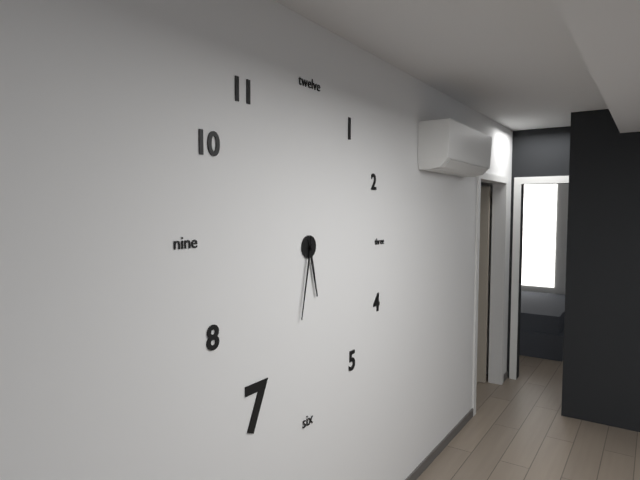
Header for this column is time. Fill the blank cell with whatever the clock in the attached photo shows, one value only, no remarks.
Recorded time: 5:32
